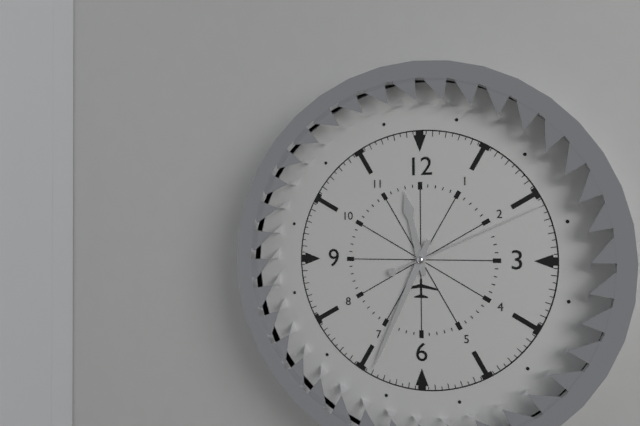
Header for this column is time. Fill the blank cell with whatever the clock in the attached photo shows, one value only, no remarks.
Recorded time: 11:34:11
